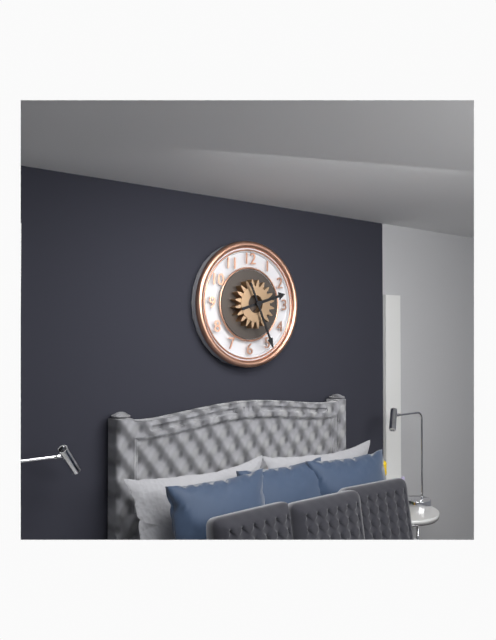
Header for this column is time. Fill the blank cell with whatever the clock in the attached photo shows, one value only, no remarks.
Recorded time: 2:26
